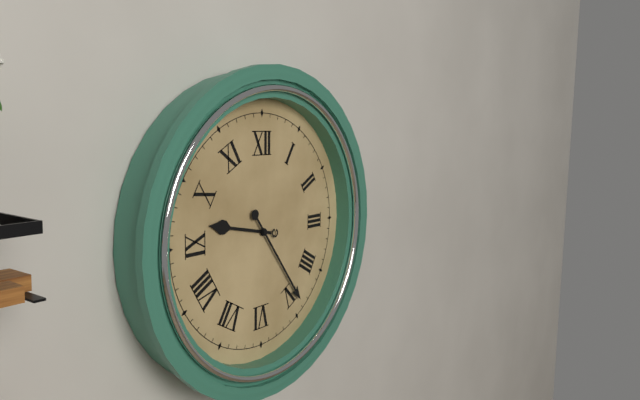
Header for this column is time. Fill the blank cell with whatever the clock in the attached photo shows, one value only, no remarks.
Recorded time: 9:24
